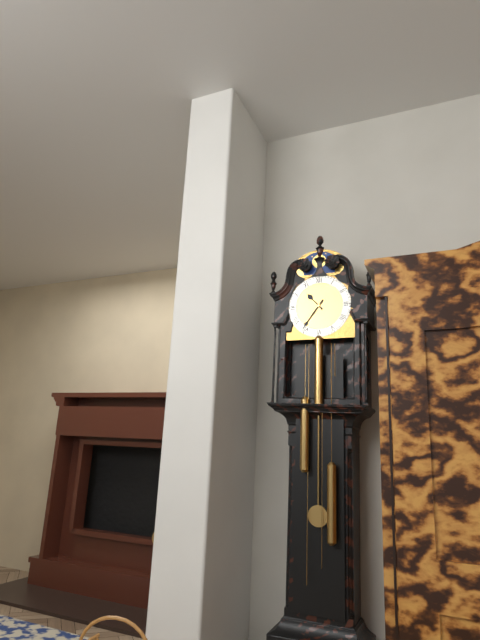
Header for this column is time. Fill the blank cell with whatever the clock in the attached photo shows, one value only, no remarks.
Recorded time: 10:36
